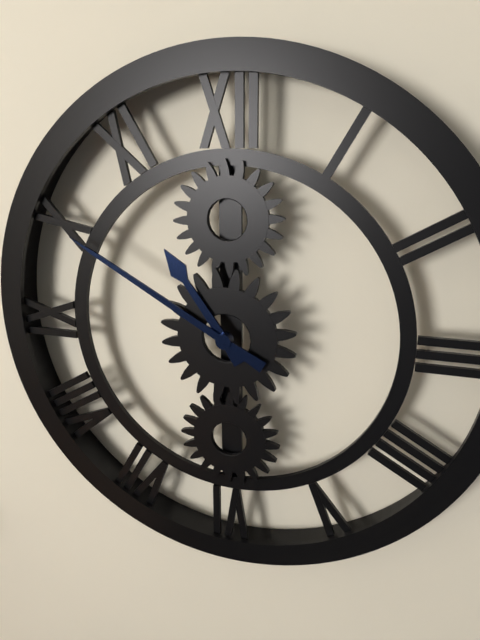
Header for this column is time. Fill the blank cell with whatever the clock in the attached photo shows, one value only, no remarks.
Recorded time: 10:50
